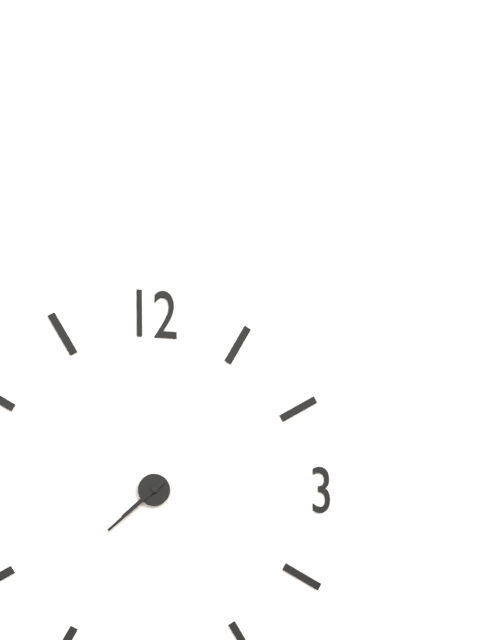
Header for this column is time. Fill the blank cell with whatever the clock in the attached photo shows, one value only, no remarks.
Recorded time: 7:38
